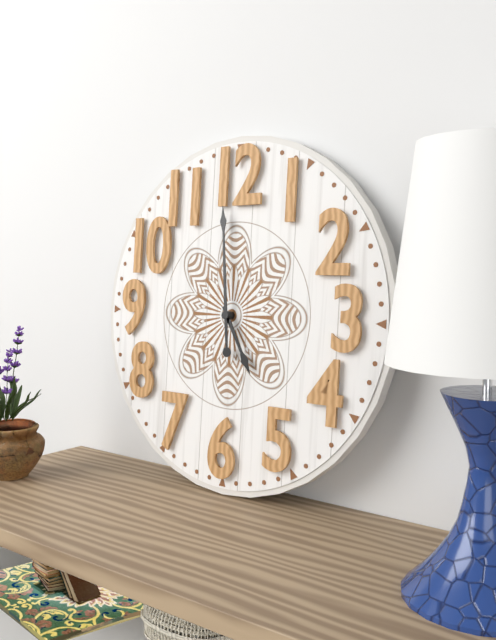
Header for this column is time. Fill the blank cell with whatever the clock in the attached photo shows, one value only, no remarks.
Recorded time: 4:59
